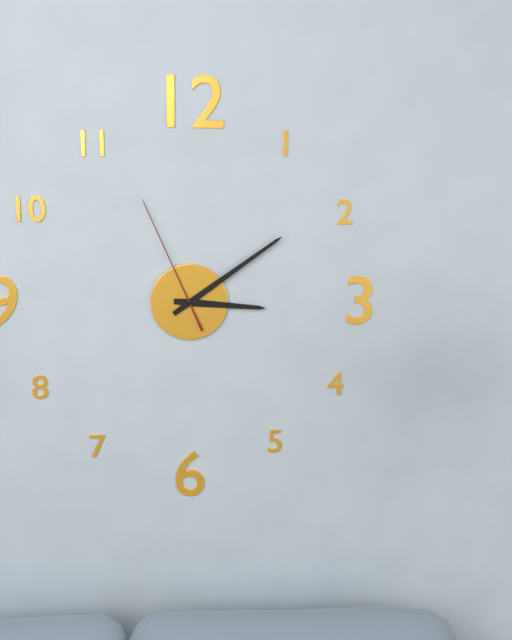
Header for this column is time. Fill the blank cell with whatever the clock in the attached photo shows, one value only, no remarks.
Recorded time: 3:09:56
